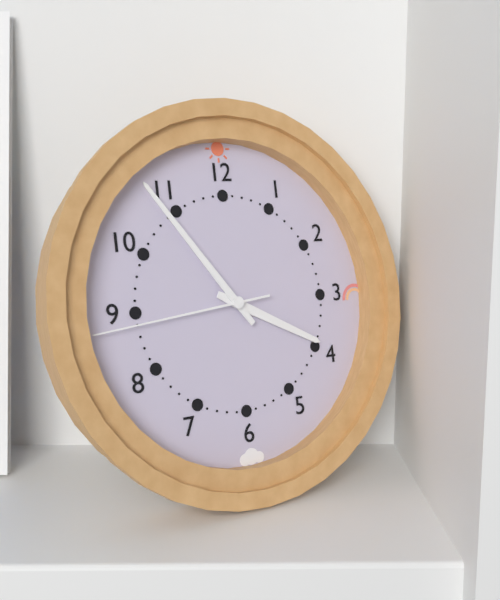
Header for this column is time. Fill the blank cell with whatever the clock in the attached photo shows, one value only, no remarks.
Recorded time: 3:54:44
